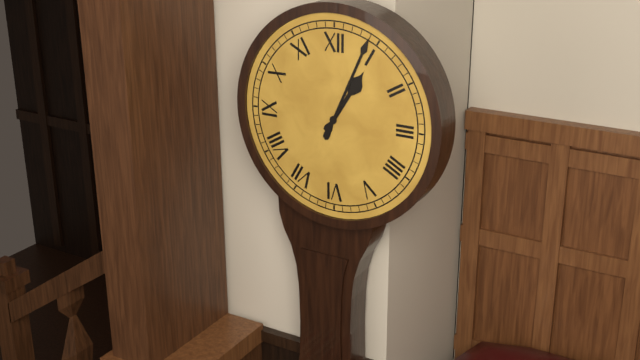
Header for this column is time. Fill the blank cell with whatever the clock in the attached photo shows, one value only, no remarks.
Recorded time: 1:04
